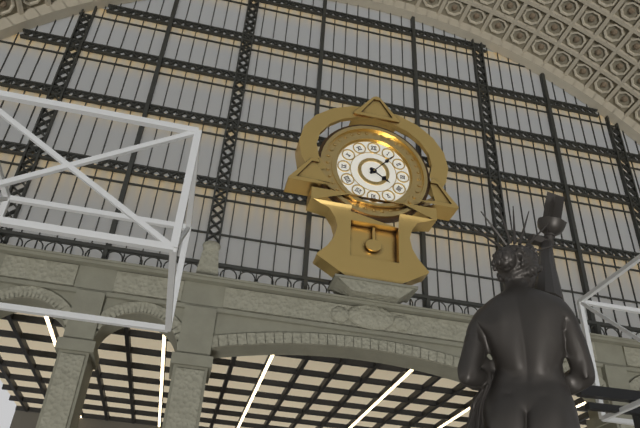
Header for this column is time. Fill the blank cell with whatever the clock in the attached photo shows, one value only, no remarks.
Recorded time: 4:07
